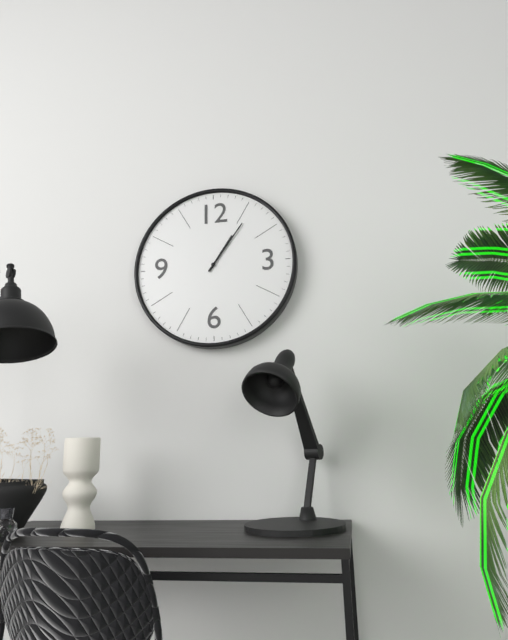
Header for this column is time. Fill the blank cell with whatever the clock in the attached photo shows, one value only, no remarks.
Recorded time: 1:06
